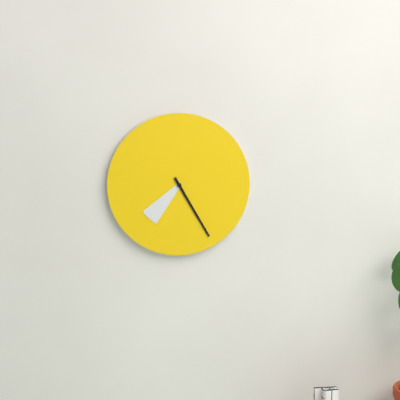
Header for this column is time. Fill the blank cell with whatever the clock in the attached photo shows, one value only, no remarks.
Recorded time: 7:25
